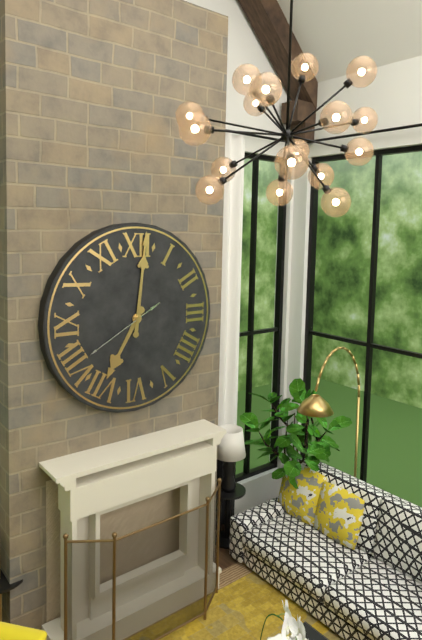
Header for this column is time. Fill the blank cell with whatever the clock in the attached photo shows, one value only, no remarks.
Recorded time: 7:01:40
